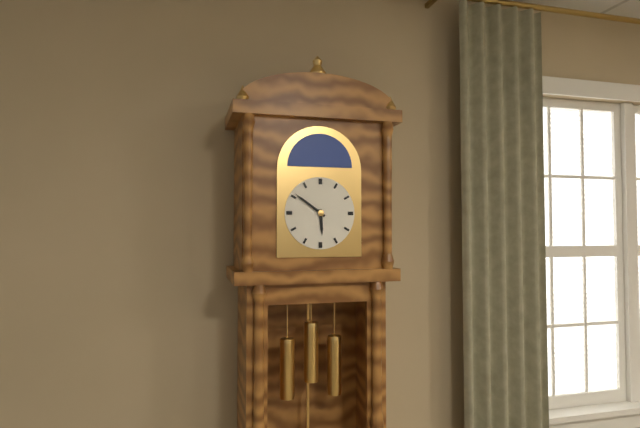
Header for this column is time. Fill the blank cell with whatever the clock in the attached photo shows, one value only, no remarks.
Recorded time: 5:51
